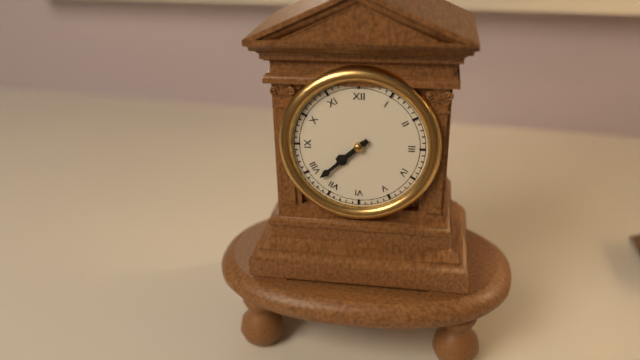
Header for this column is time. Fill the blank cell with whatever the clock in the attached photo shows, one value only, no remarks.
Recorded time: 7:38
